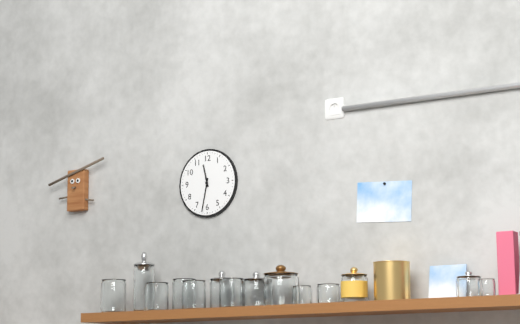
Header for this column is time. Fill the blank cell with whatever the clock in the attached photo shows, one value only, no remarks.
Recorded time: 11:32
